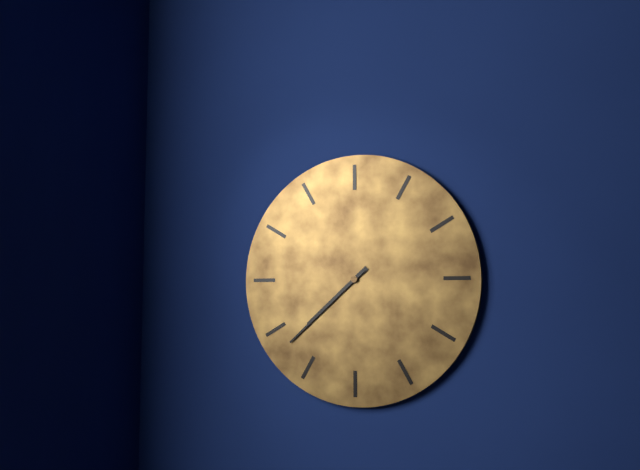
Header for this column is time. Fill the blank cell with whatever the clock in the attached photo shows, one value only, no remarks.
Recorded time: 7:38
